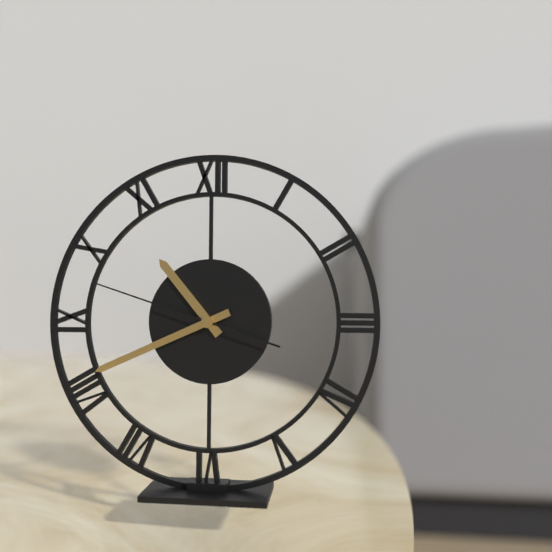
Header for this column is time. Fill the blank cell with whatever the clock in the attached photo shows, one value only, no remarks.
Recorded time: 10:41:48
